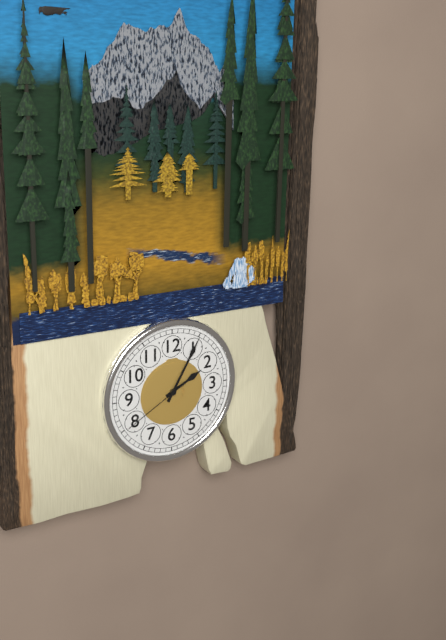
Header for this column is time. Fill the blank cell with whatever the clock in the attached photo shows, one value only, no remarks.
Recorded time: 2:05:40
